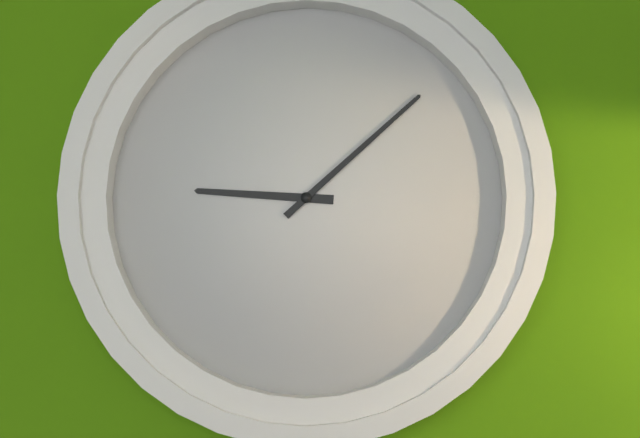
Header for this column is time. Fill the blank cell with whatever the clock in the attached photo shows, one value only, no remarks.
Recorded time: 9:08
